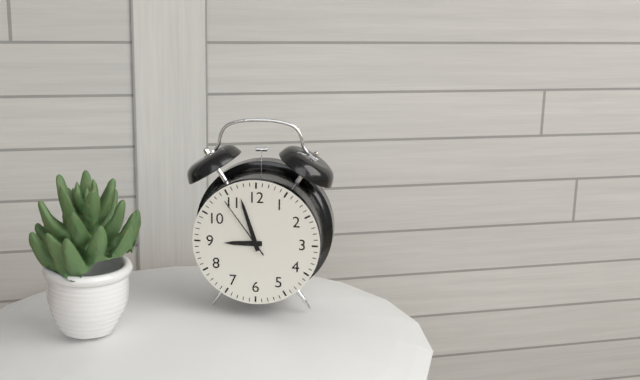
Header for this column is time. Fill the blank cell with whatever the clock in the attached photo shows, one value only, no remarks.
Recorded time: 8:57:54
